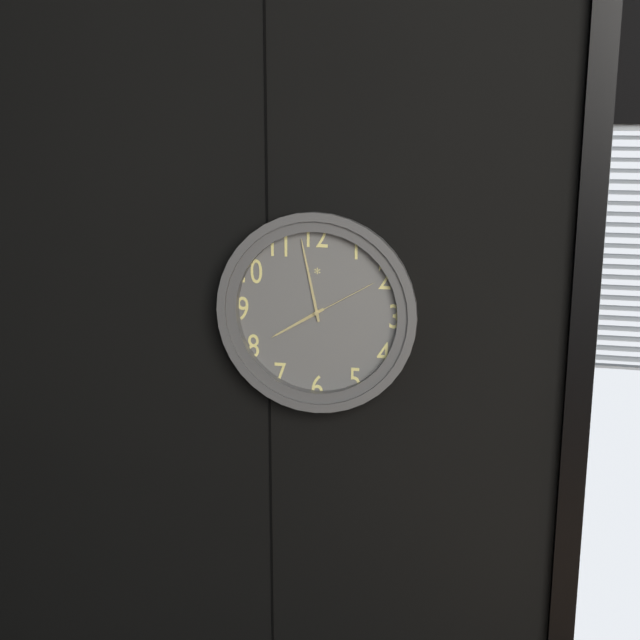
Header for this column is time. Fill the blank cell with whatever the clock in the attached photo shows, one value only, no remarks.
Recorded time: 7:58:10
